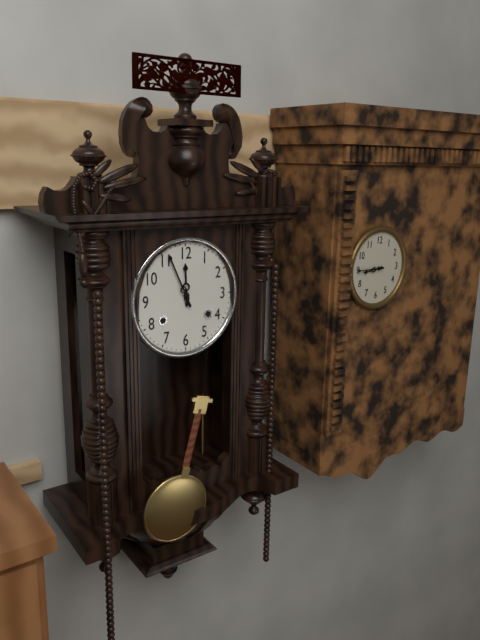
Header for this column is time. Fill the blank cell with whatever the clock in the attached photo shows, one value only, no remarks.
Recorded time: 11:56
